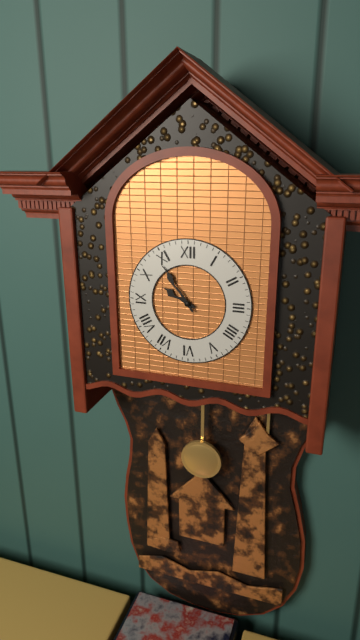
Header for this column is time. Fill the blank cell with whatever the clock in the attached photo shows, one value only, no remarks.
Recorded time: 9:54
